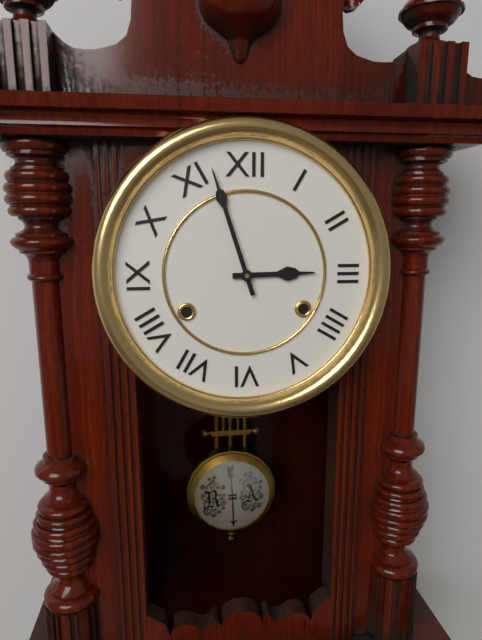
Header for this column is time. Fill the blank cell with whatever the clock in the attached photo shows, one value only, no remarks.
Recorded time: 2:57
